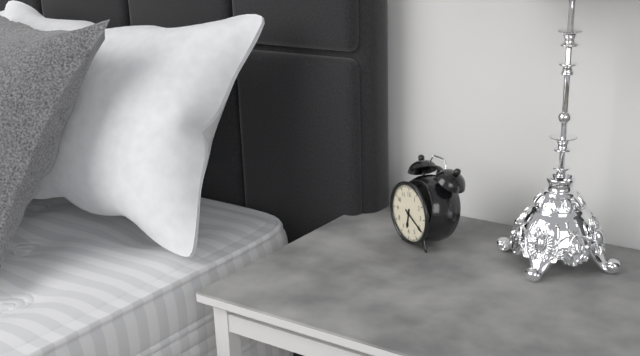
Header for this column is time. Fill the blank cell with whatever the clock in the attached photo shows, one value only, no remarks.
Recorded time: 6:20
